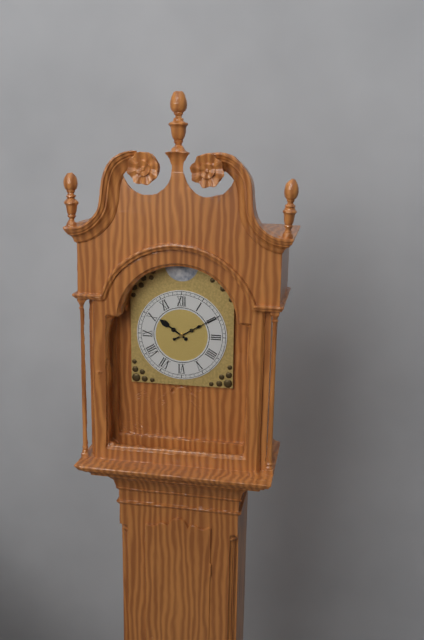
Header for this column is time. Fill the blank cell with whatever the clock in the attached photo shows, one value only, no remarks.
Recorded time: 10:10
